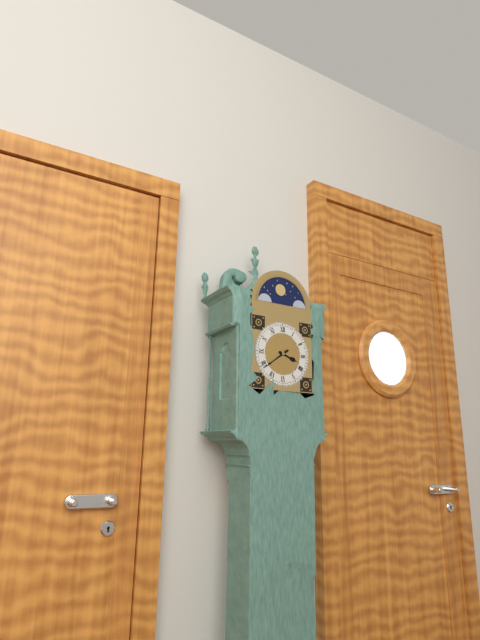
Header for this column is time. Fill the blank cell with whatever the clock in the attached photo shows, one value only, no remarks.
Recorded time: 3:39
